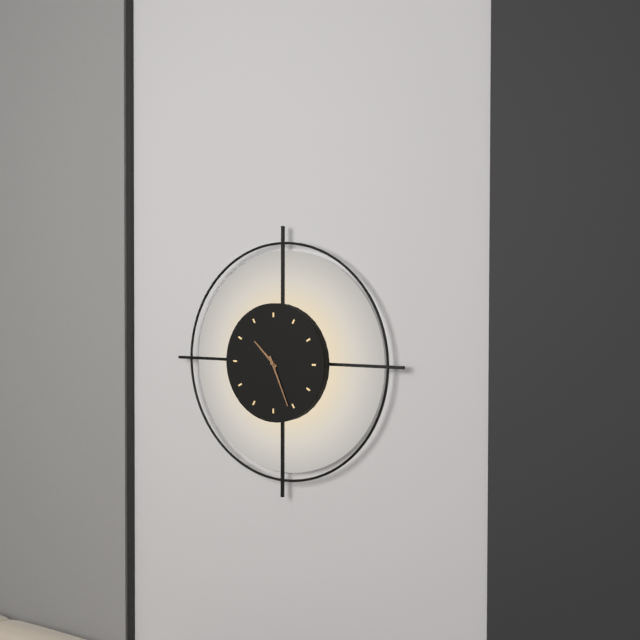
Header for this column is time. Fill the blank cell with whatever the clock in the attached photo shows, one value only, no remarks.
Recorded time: 10:26
